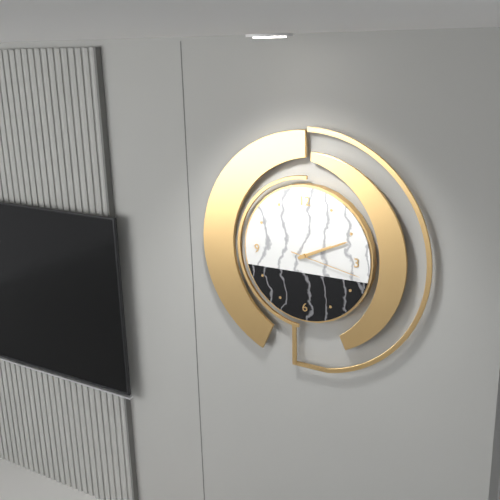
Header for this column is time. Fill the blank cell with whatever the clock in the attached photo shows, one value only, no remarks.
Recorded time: 2:11:17
